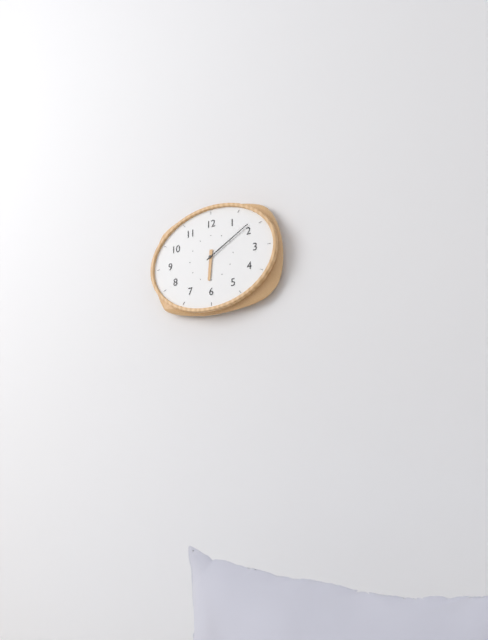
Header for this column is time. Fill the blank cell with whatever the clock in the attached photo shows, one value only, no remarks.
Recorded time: 6:10
